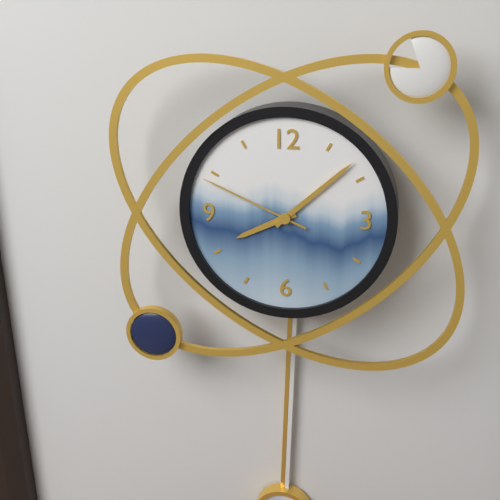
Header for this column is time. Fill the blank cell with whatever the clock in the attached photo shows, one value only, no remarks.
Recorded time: 8:08:49
